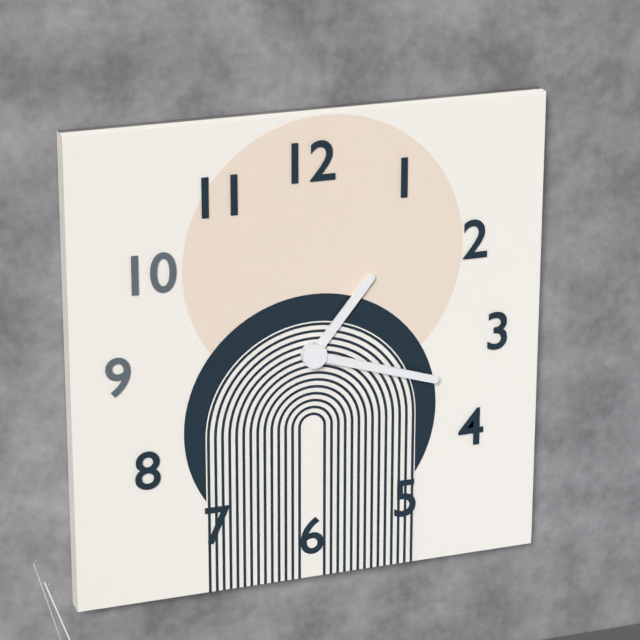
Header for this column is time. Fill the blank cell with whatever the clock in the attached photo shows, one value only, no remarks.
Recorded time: 1:18
